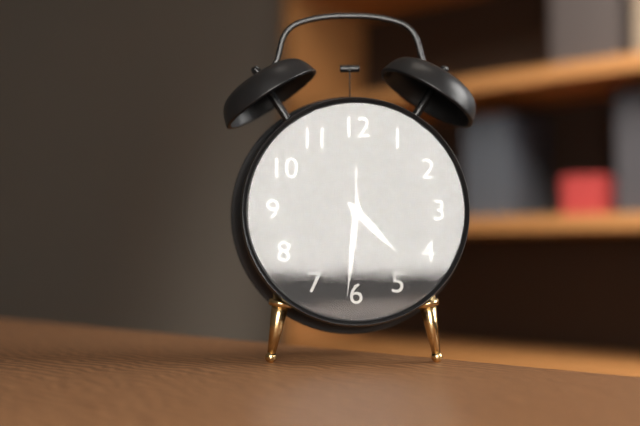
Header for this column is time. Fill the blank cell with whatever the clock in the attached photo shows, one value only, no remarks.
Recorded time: 4:31
